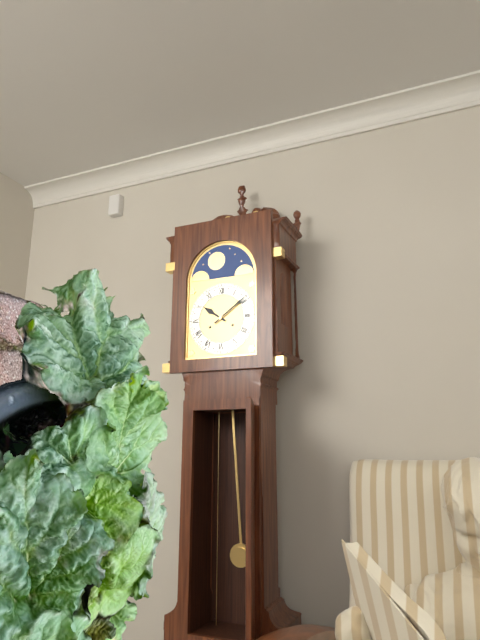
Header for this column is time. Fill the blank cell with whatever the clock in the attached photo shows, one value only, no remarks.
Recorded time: 10:09
